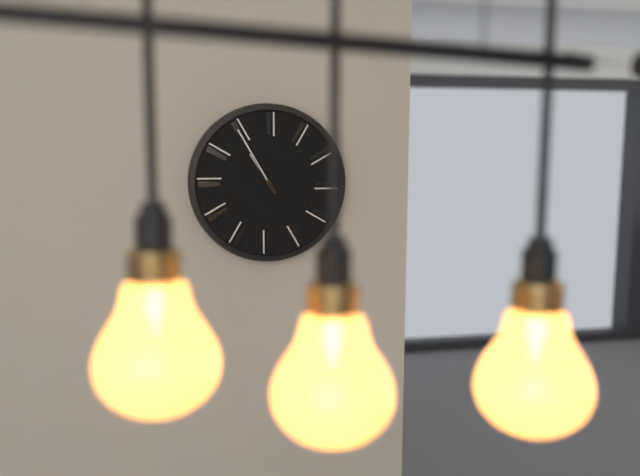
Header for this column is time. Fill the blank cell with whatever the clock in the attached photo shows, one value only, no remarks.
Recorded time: 10:55
